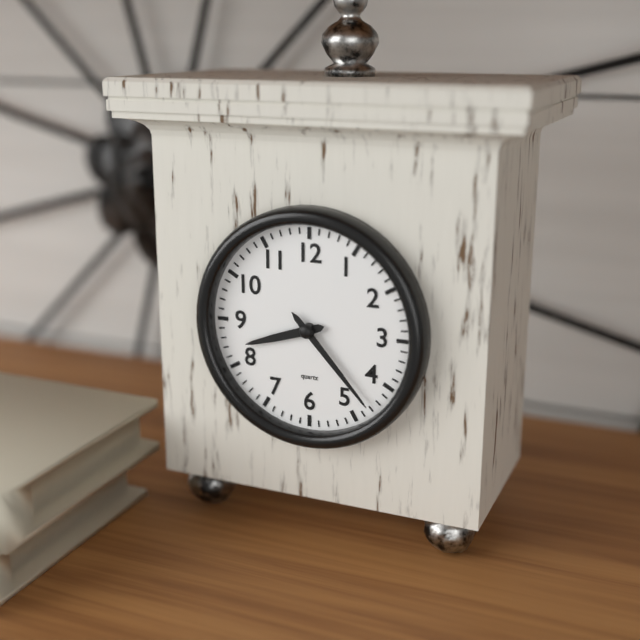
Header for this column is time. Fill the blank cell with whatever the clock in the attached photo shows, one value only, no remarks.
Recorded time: 8:23
